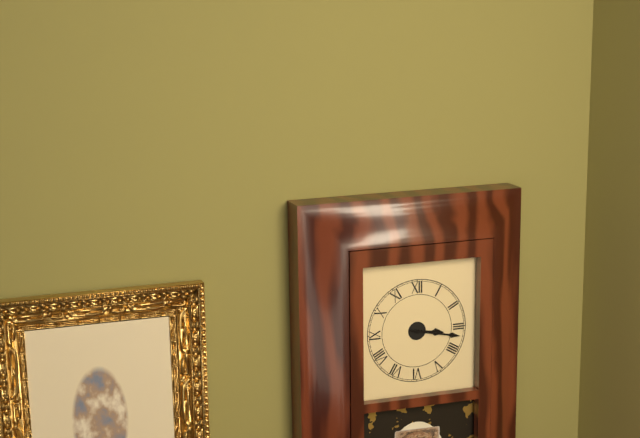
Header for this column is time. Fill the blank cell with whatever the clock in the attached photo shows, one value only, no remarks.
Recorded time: 3:17
